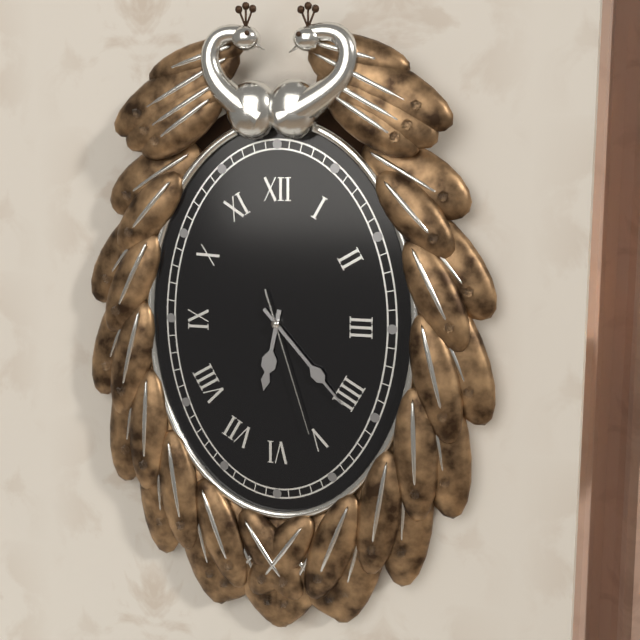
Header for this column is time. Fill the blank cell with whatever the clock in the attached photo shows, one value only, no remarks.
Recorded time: 6:23:27
